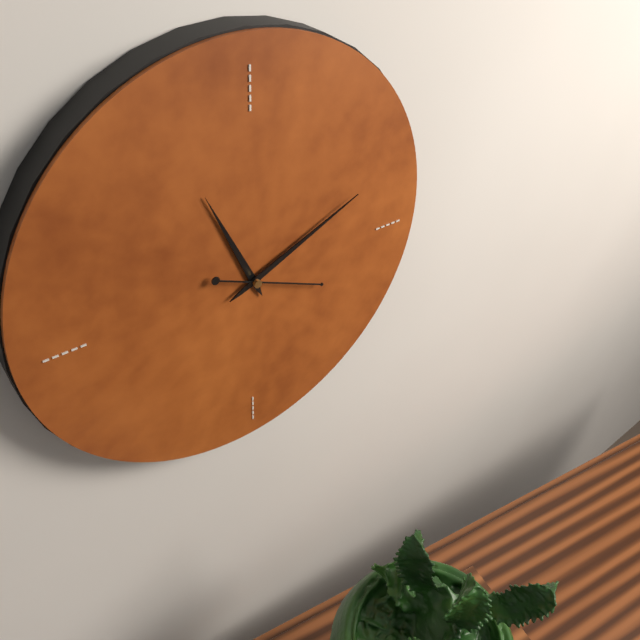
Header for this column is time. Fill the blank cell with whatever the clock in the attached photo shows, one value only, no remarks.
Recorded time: 11:11:19
